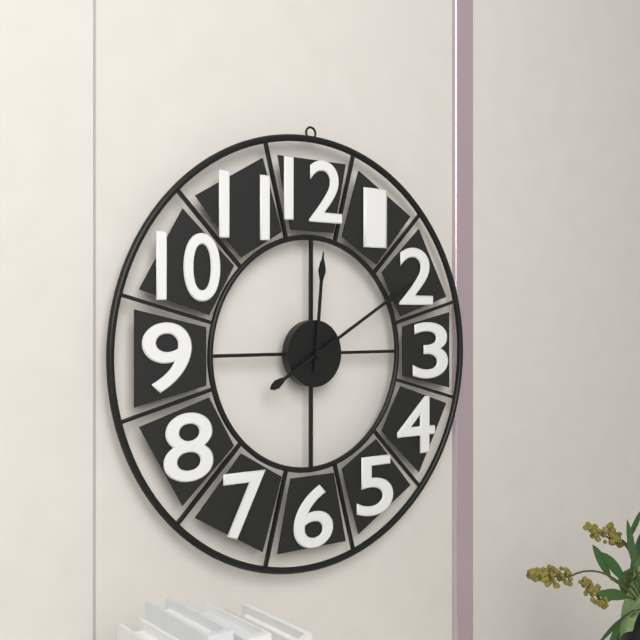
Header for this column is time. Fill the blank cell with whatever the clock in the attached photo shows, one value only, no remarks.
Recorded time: 12:10
